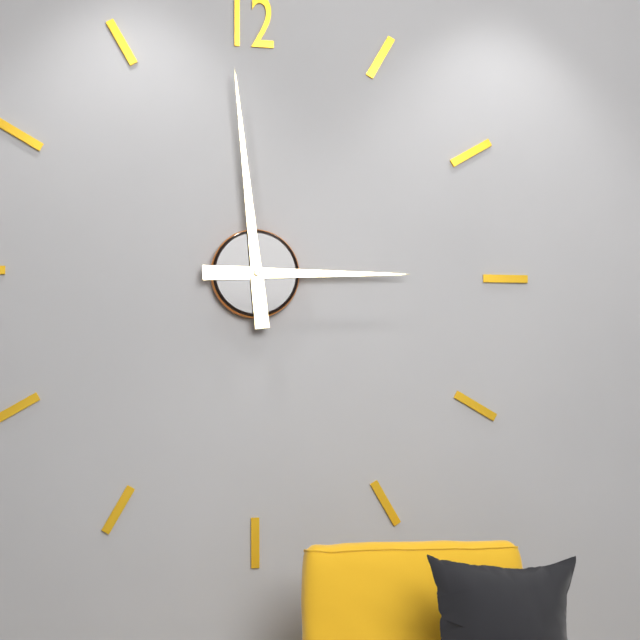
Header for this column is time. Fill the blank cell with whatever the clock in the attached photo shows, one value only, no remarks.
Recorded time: 2:59
